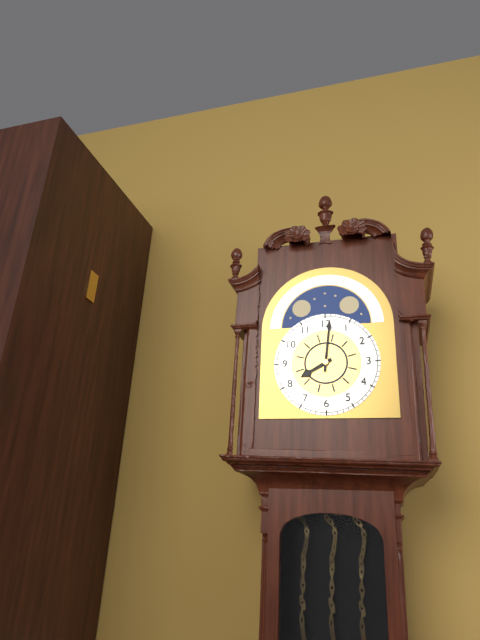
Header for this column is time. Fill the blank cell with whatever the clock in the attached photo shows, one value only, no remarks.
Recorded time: 8:01
